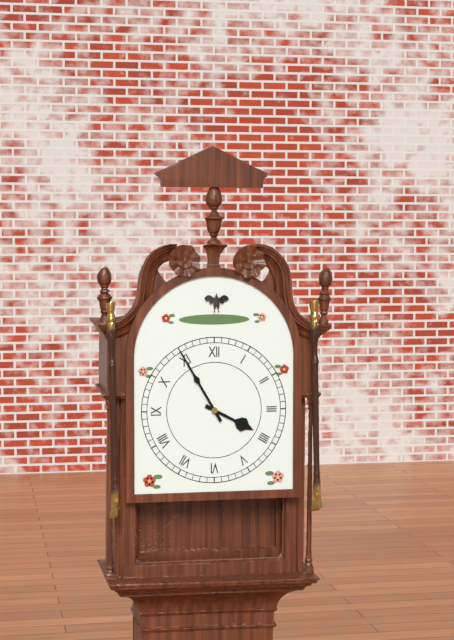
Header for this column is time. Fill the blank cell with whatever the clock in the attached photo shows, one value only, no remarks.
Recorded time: 3:55
